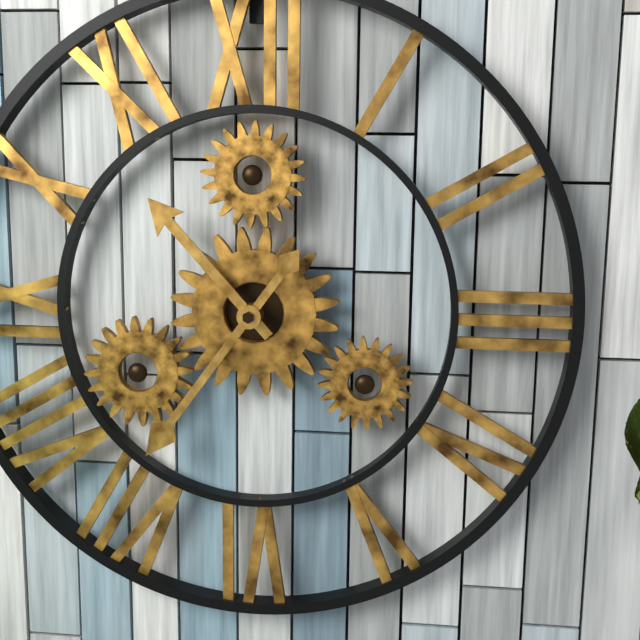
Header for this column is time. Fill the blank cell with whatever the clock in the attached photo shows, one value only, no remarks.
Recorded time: 10:36
